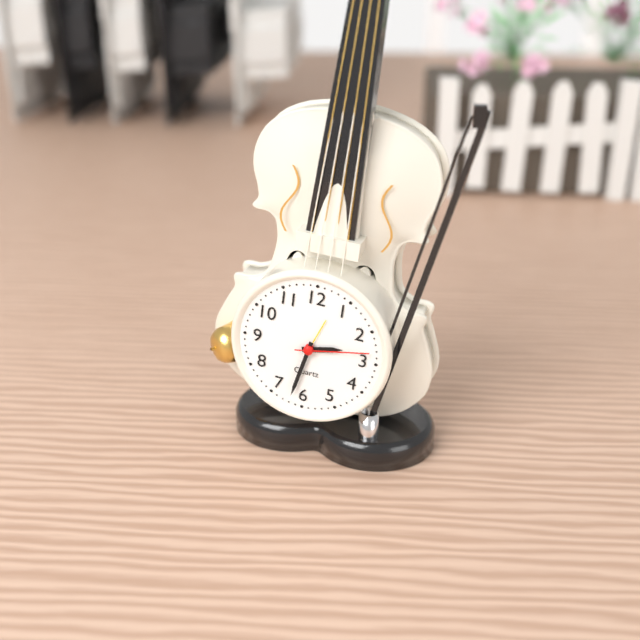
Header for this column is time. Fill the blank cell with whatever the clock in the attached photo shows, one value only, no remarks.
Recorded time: 2:32:13
